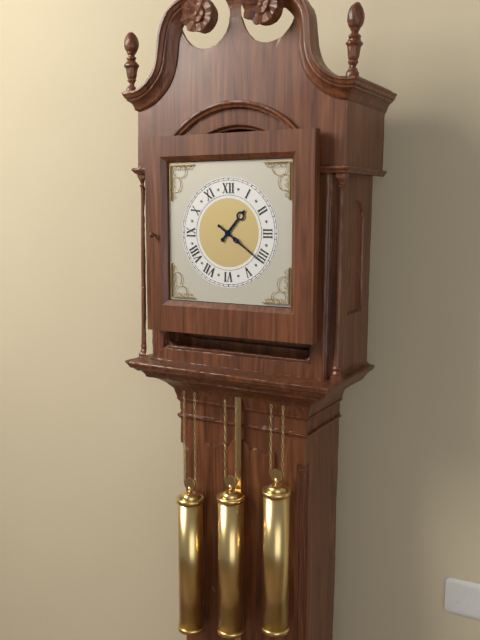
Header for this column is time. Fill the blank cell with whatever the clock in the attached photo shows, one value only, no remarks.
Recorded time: 1:21
